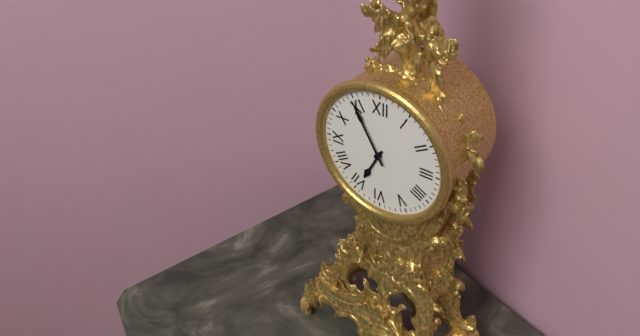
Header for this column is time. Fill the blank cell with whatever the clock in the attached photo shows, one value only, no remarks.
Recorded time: 6:55
